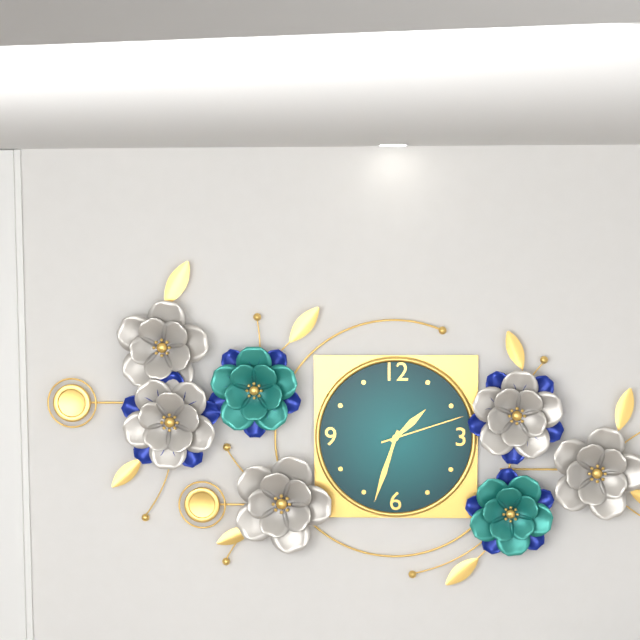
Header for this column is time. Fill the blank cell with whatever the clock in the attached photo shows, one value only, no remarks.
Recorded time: 1:33:12
